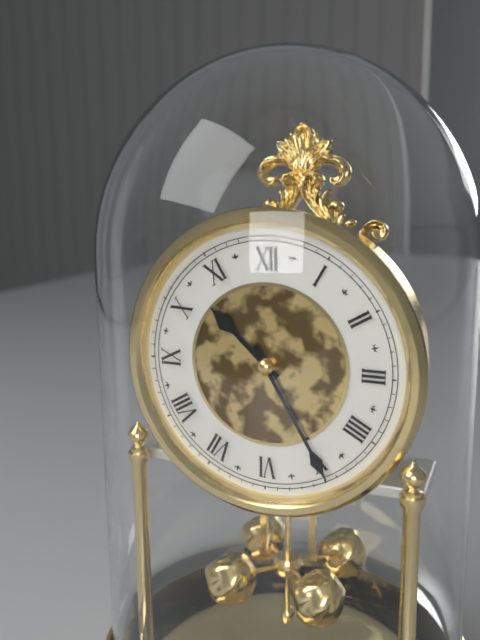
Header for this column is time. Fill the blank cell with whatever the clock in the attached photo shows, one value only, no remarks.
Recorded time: 10:25
